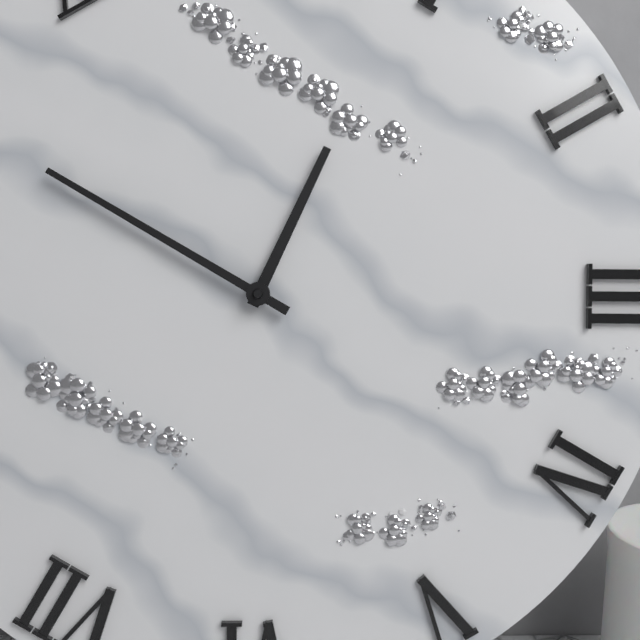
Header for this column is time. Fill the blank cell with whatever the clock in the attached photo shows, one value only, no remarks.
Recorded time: 12:50
